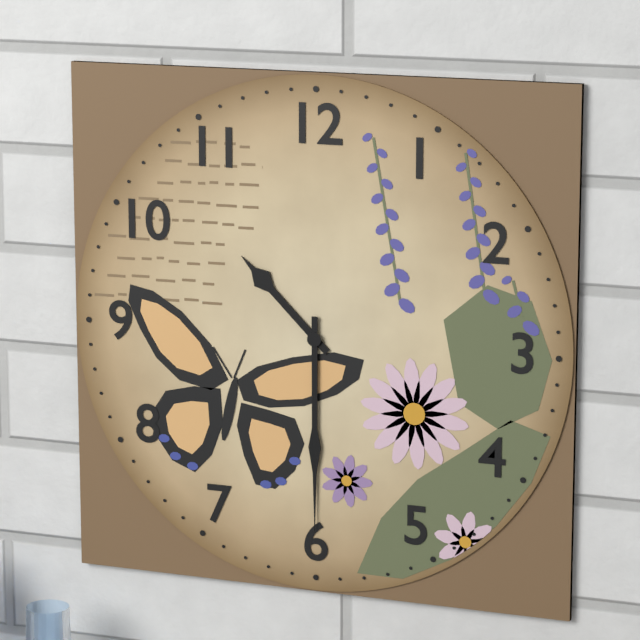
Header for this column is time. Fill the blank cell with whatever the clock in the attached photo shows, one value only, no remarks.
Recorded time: 10:30
